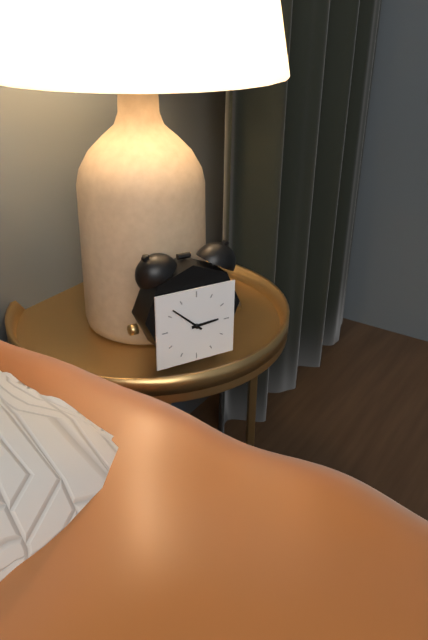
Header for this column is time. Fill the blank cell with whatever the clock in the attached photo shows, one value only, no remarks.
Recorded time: 2:52
